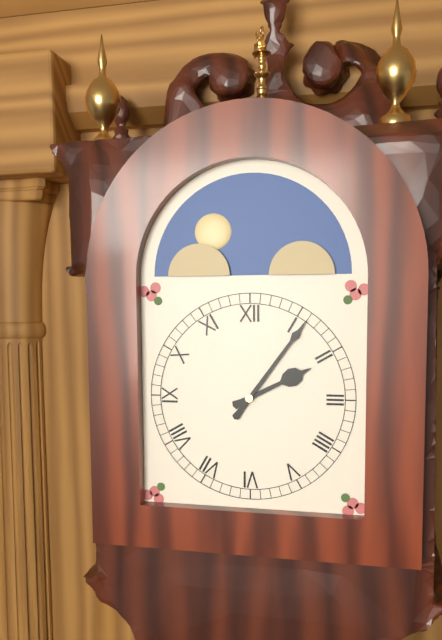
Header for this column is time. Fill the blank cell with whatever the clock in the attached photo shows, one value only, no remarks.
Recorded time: 2:06
